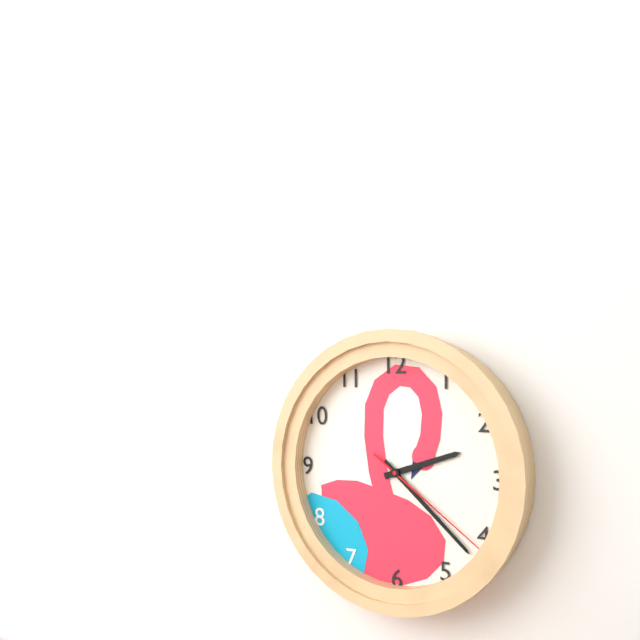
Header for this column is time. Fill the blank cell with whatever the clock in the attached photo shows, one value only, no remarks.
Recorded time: 2:22:21
